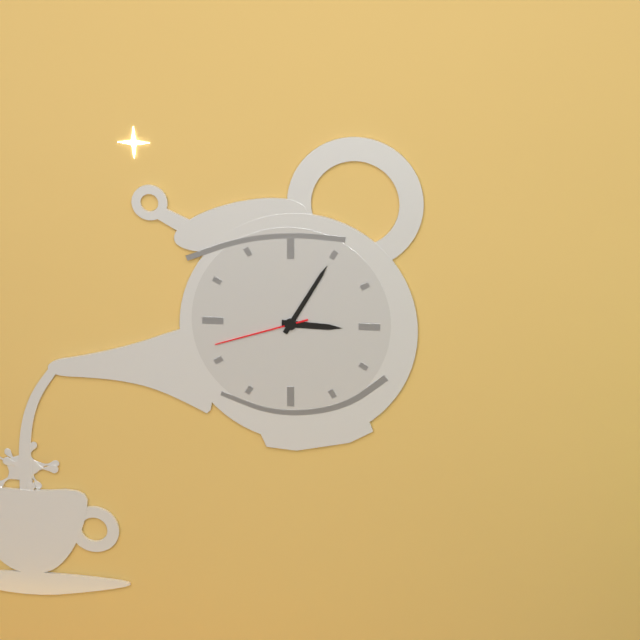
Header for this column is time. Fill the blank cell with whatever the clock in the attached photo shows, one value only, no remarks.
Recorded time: 3:05:42
